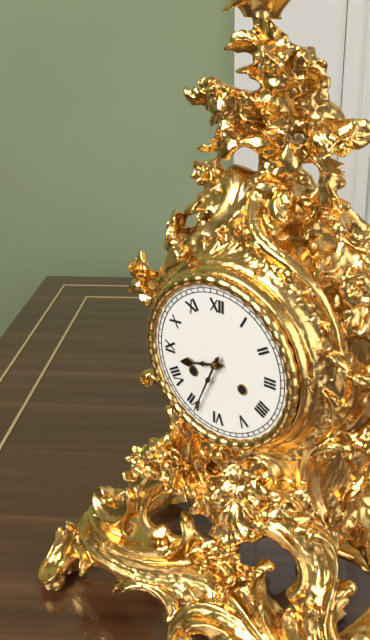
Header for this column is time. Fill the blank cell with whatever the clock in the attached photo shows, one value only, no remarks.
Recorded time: 8:34
